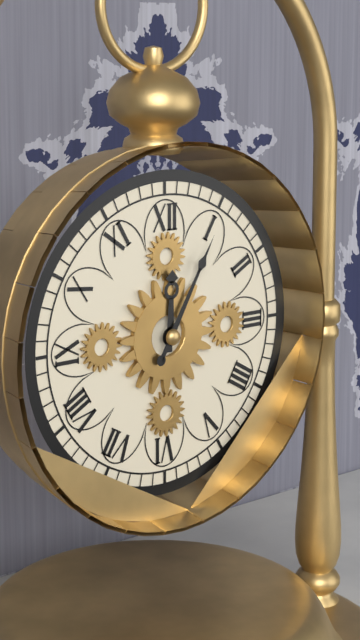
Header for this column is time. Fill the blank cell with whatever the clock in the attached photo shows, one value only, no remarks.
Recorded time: 12:05
